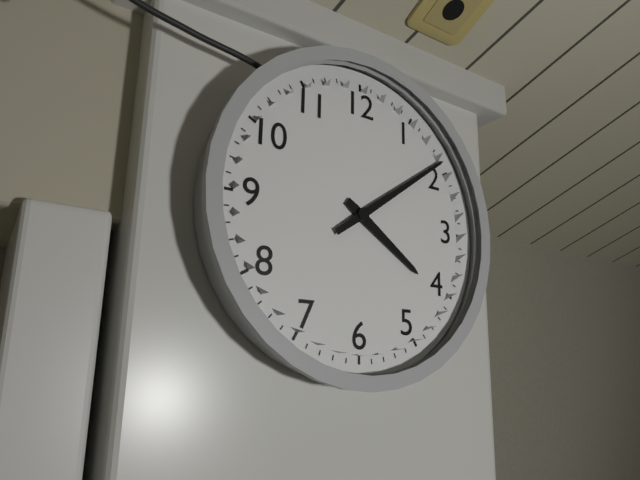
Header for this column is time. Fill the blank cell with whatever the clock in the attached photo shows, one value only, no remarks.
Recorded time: 4:09
